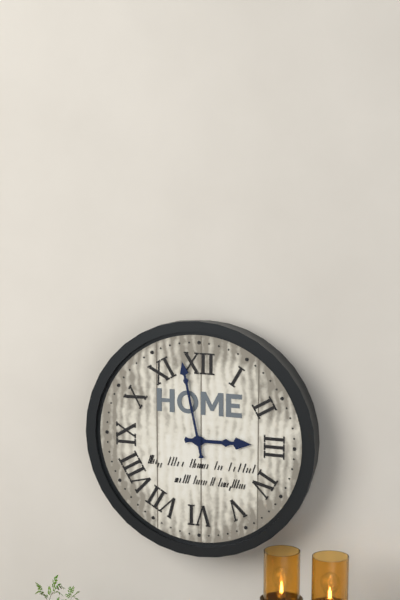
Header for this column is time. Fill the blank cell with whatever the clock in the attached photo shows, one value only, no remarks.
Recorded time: 2:58
